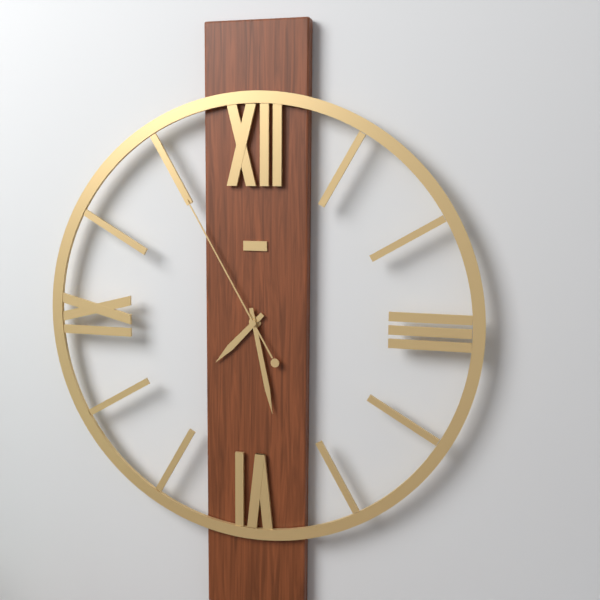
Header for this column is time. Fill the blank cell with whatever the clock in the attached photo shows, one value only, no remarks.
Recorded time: 7:28:55
